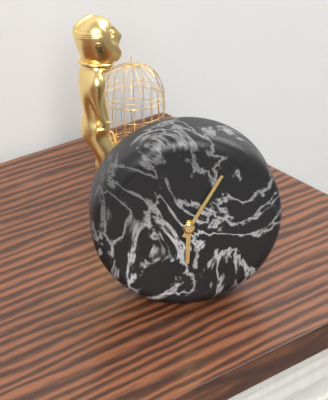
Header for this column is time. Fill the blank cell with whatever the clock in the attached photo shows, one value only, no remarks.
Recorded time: 6:05
